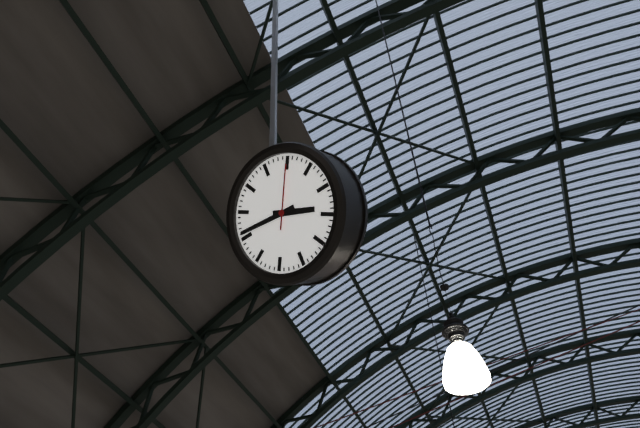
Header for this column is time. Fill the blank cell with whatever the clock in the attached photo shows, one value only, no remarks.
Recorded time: 3:46:05
